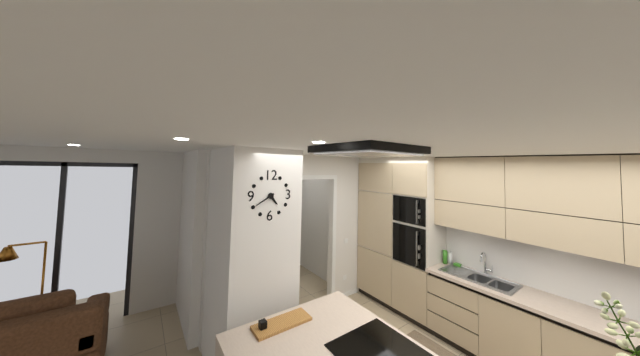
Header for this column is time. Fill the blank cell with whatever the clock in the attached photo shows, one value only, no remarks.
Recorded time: 4:40
